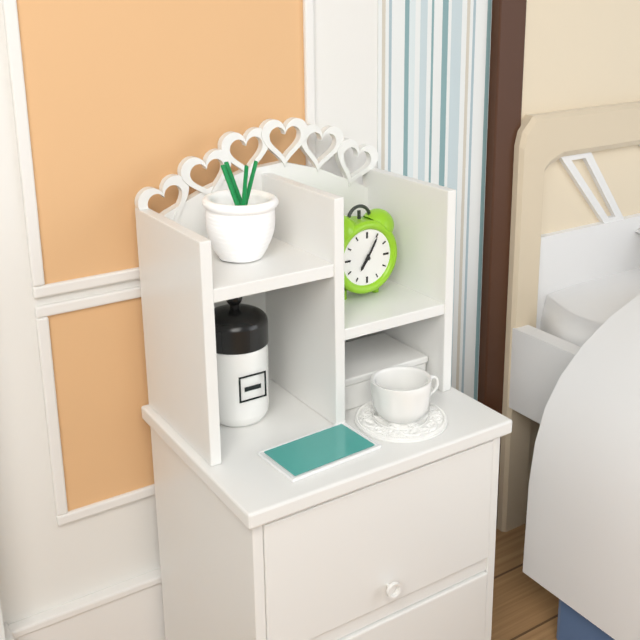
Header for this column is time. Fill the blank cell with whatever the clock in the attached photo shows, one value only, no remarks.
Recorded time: 7:05
